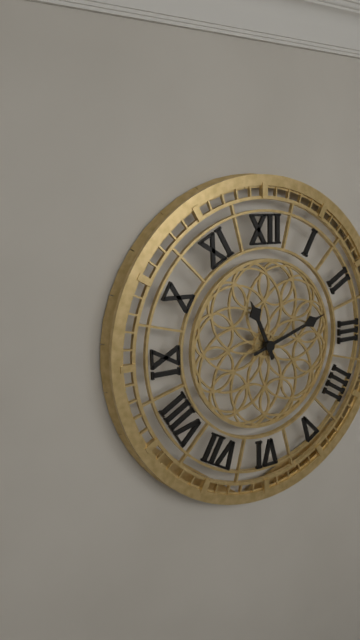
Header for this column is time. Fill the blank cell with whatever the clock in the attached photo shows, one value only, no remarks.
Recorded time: 11:12
